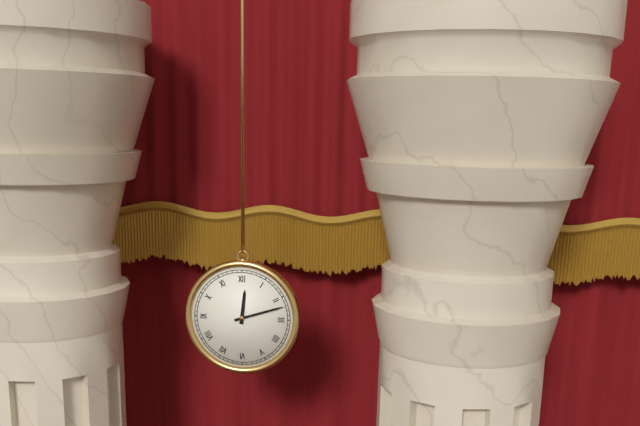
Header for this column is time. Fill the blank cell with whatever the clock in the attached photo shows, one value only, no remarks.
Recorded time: 12:12
